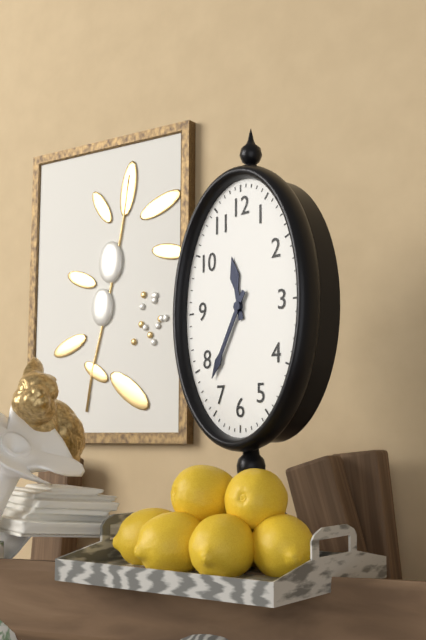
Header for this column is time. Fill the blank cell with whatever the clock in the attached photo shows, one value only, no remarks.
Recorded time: 11:35
